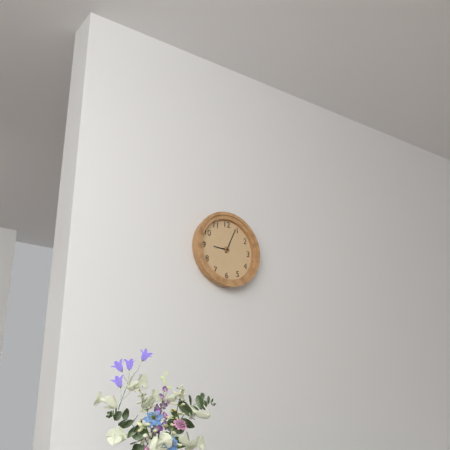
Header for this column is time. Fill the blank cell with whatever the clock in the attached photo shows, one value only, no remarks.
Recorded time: 9:04
